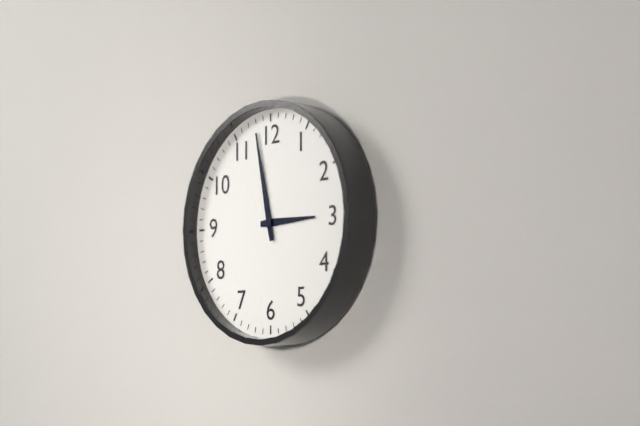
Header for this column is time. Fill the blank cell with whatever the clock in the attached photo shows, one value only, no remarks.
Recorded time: 2:58
